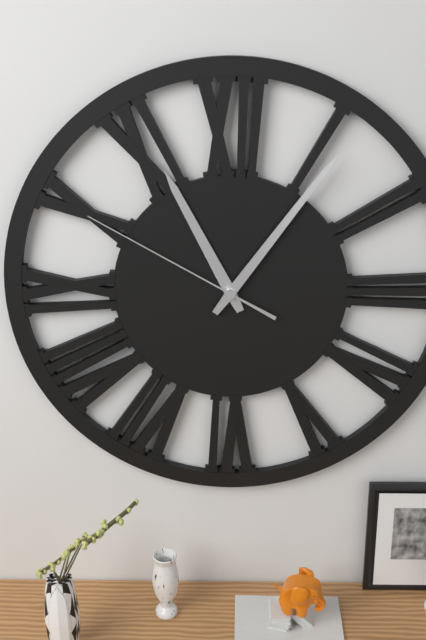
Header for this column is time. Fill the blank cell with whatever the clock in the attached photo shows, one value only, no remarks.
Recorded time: 11:06:50
